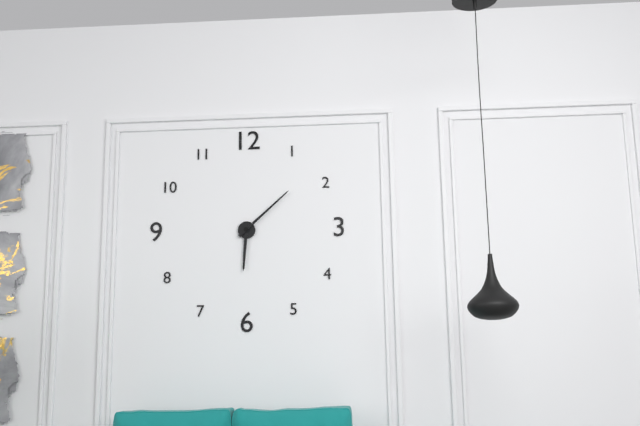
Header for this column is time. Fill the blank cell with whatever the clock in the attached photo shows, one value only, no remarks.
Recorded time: 6:08
